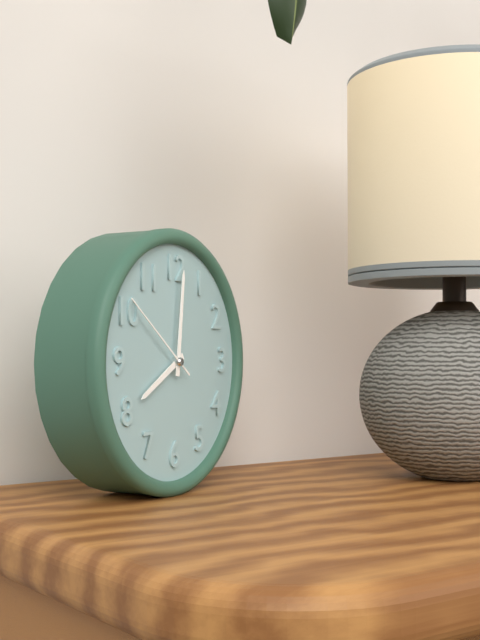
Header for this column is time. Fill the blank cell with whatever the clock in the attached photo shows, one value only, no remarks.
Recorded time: 8:01:51
